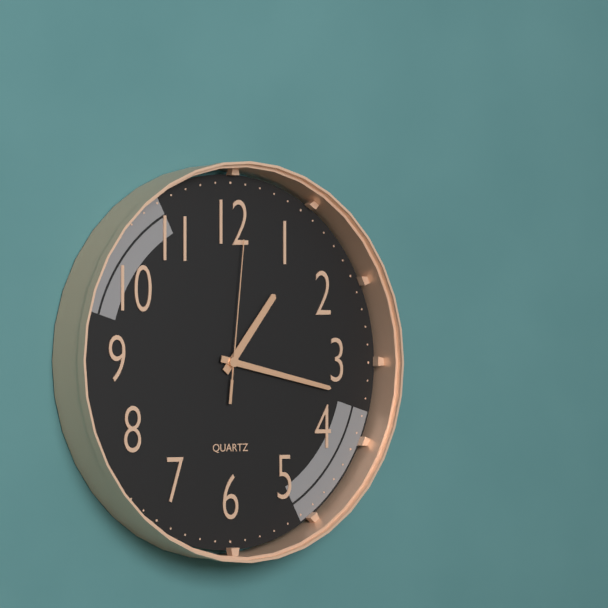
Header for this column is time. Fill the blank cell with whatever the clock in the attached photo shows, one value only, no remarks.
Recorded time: 1:17:01
